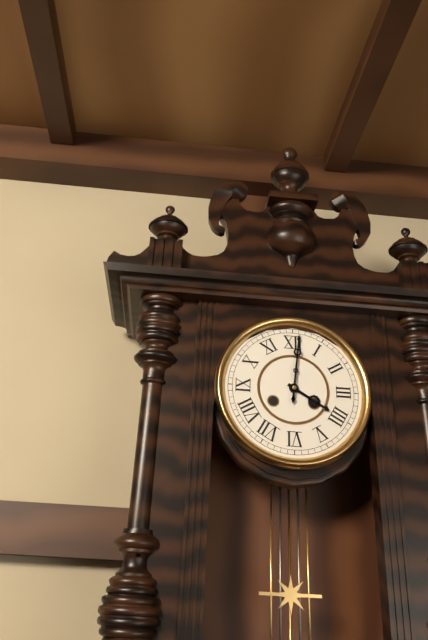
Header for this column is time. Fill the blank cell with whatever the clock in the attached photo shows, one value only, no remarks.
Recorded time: 4:01
